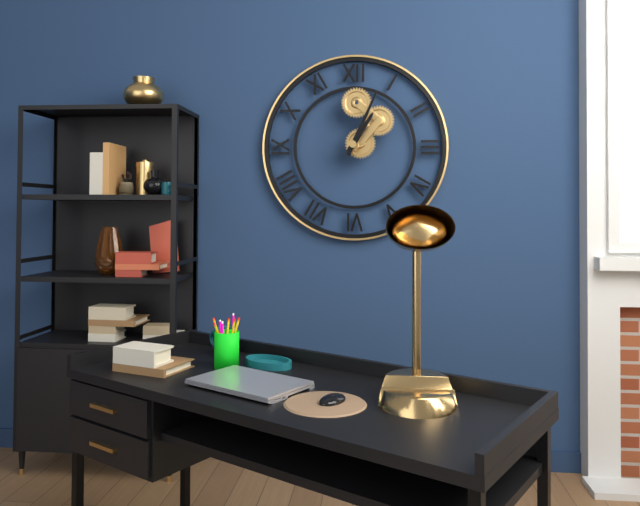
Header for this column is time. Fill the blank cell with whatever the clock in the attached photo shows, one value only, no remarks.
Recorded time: 1:04
